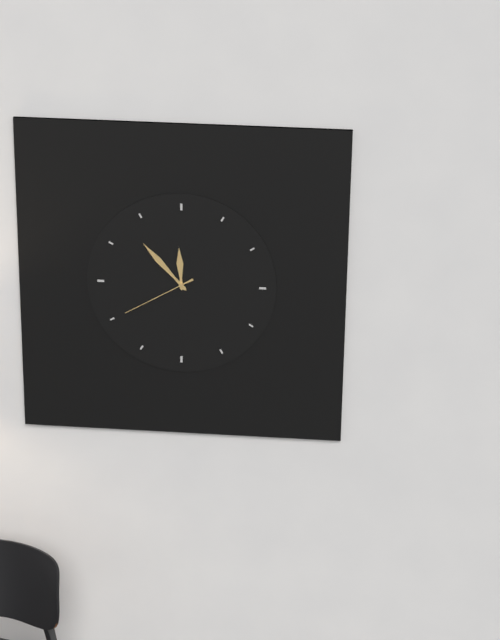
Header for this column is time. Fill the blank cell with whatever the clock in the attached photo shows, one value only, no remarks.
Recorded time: 11:53:40
